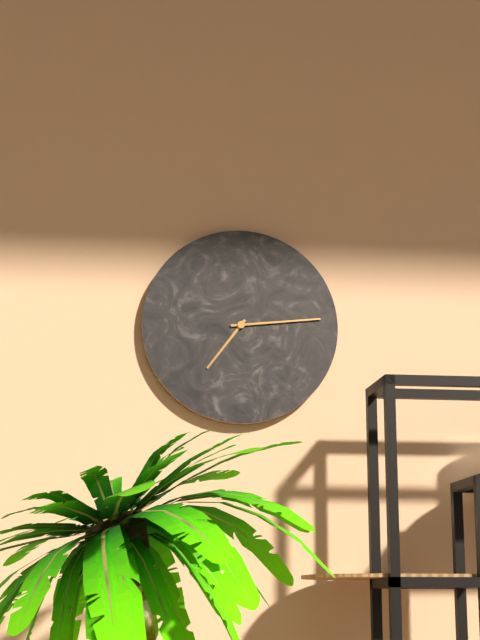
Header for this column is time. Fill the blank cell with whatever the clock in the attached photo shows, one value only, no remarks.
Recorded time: 7:14
